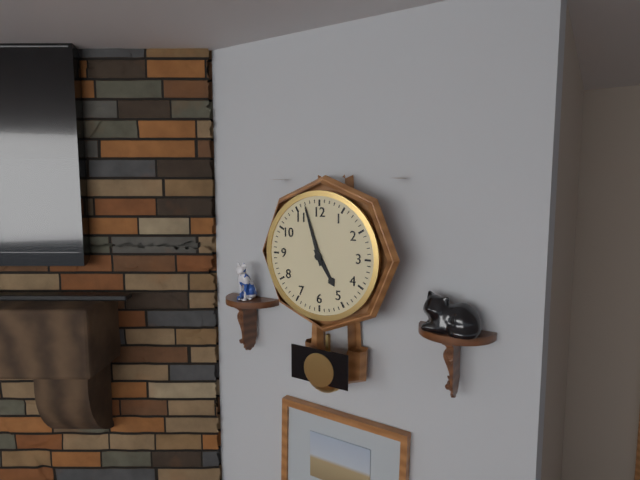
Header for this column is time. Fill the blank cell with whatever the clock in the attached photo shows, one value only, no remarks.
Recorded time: 4:57
